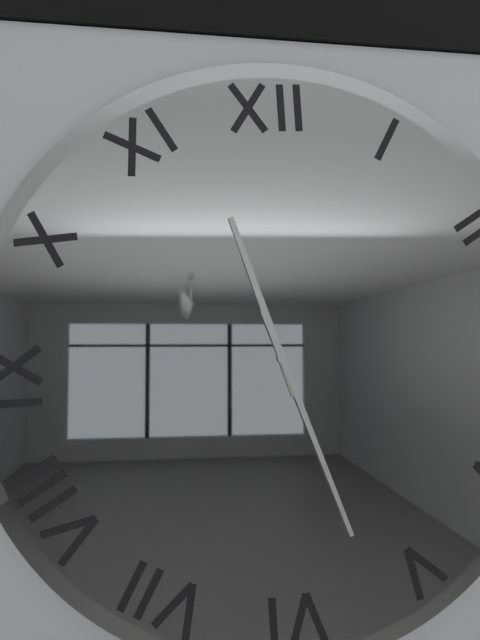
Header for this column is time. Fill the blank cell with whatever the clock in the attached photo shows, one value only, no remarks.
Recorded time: 11:27
